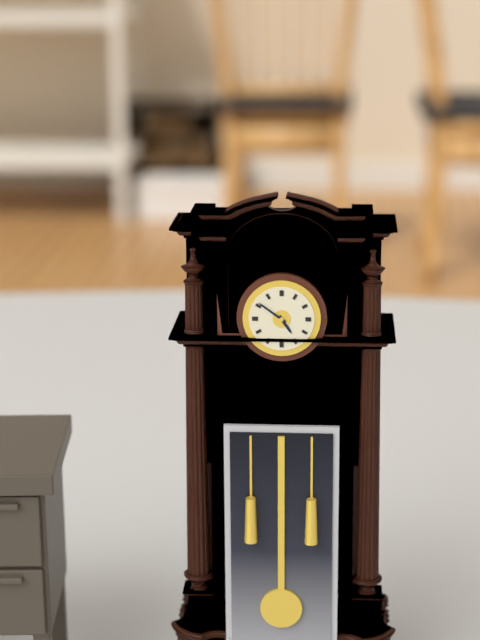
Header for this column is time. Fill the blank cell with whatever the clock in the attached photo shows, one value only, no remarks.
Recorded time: 4:51
